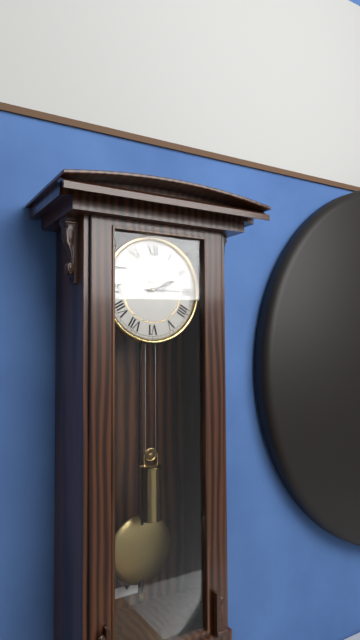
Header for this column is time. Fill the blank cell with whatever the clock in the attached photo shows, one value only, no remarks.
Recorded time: 2:15
